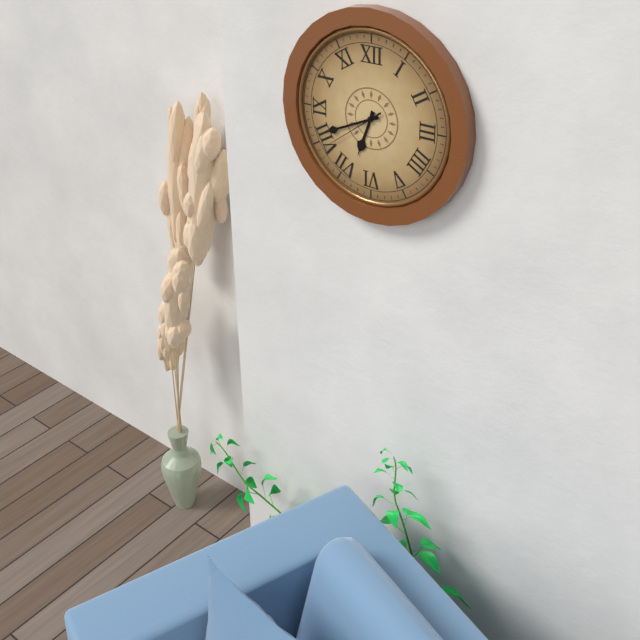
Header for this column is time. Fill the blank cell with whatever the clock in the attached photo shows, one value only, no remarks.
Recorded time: 6:41:39
